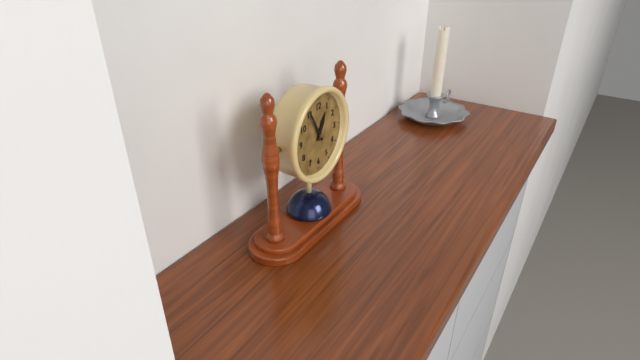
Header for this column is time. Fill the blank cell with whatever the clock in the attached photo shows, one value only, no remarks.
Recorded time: 12:55
